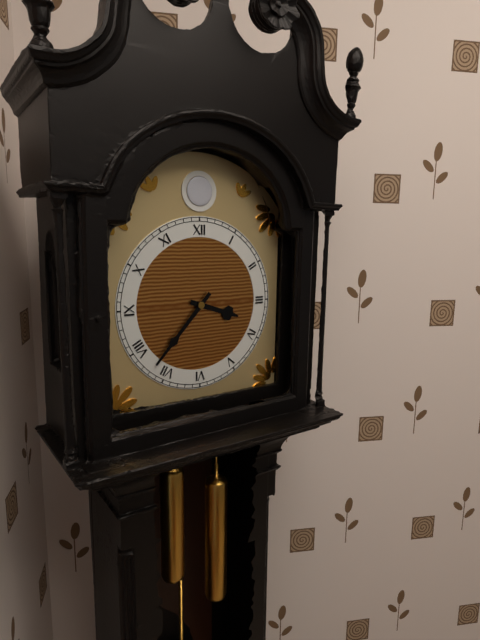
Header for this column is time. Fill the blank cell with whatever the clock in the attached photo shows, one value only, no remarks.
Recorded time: 3:37
